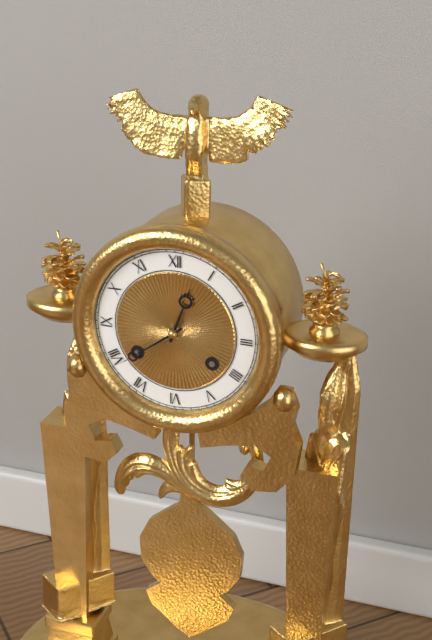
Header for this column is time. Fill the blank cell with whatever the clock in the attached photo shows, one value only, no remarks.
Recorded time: 12:39
